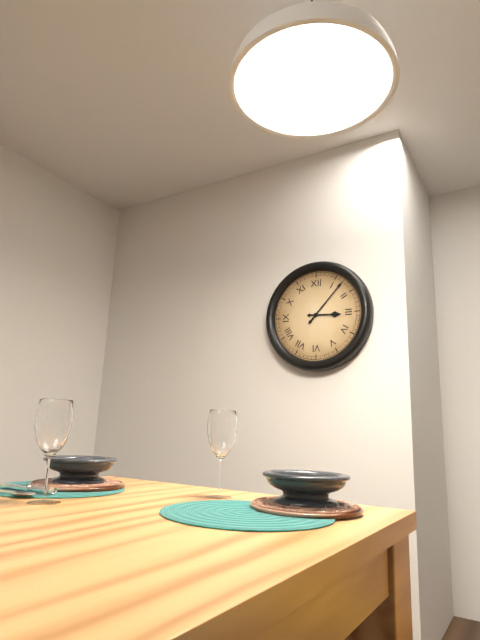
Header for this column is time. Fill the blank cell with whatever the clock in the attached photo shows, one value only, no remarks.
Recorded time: 3:07
